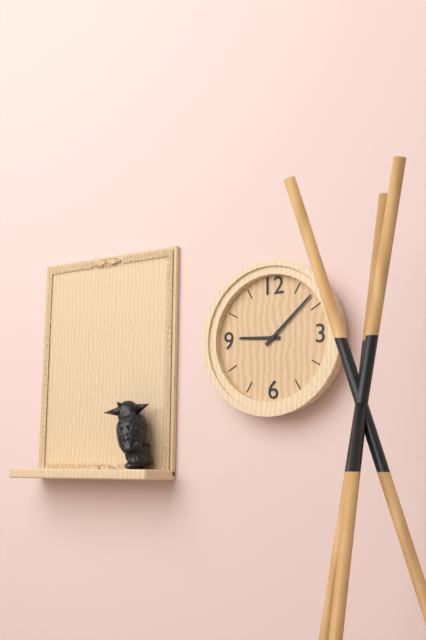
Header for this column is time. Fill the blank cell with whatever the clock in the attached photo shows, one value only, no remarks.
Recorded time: 9:08
